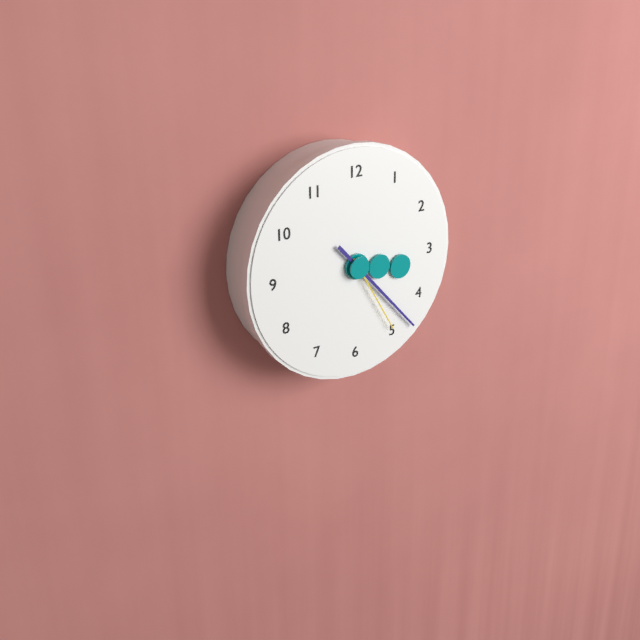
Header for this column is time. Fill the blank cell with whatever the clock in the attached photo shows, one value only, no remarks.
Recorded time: 3:23:25
